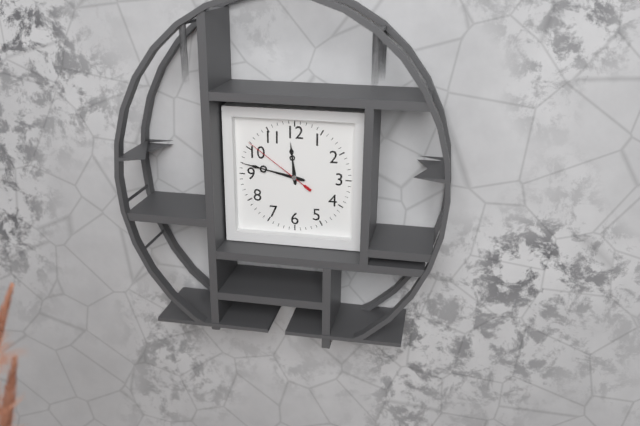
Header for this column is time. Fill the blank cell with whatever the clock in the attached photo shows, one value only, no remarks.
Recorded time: 11:47:51
